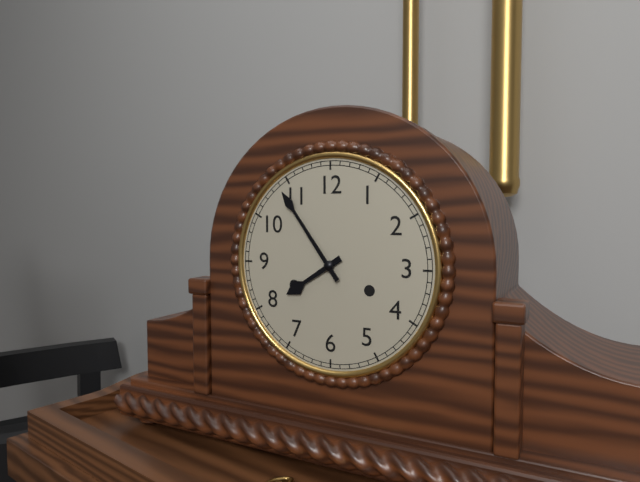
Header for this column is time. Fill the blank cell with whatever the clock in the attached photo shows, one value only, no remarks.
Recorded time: 7:54
